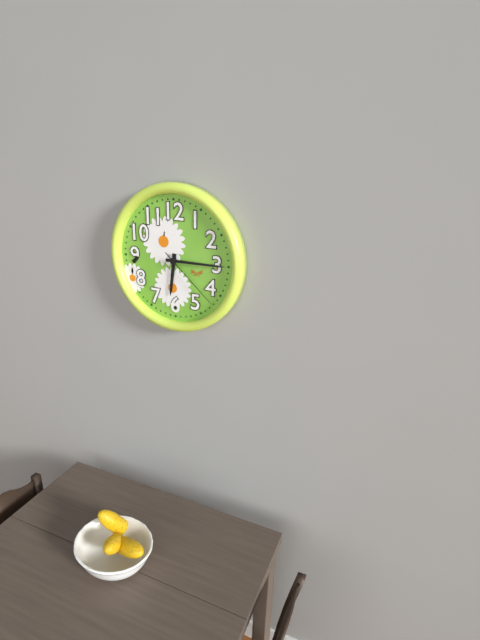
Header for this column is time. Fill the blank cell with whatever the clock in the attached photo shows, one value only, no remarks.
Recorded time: 6:15:22
